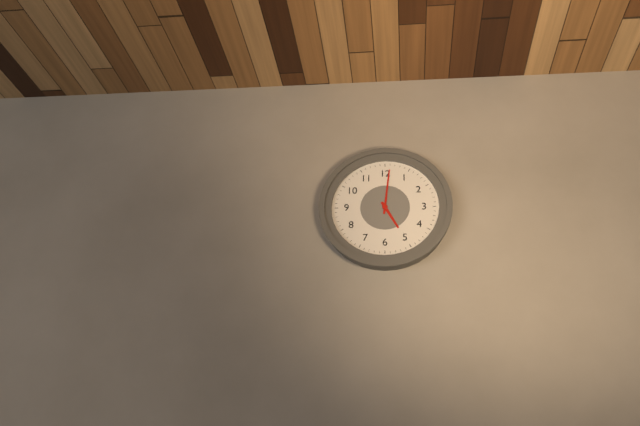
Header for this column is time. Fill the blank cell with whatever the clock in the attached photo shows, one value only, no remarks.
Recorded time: 5:01
